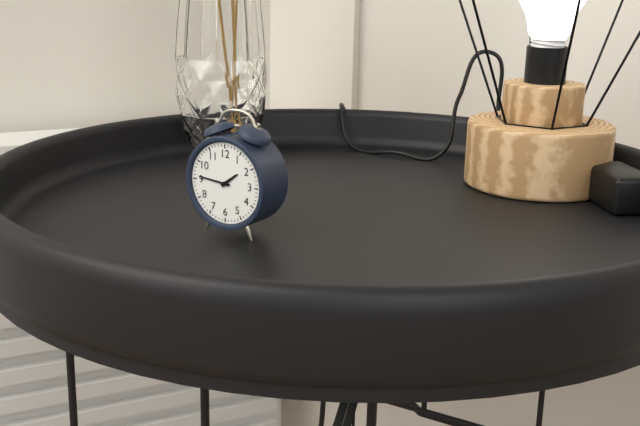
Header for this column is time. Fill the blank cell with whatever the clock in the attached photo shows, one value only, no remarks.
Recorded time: 1:46
